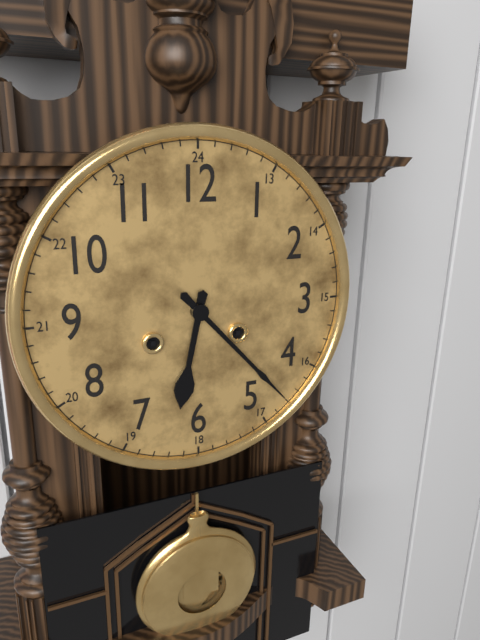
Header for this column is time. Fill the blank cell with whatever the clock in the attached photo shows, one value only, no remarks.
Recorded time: 6:23
